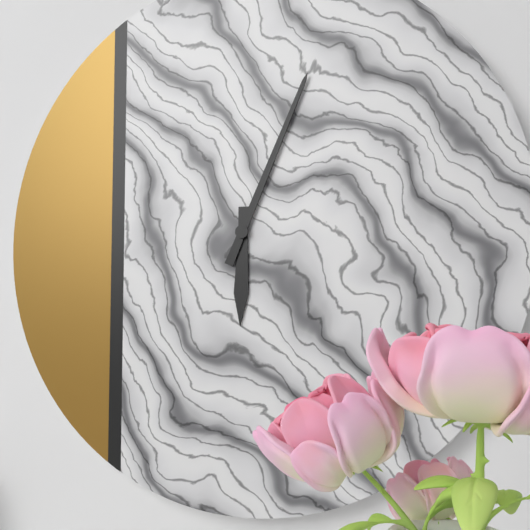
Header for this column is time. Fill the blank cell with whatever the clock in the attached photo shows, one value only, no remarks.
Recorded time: 6:04
